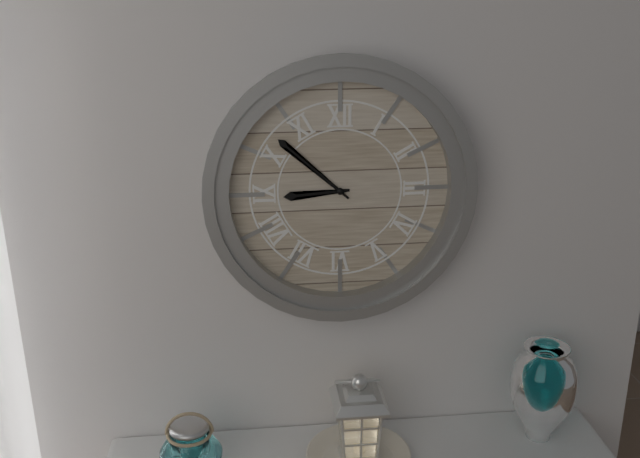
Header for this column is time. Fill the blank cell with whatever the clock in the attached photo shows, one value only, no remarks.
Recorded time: 8:52
